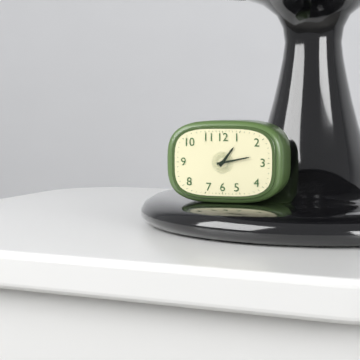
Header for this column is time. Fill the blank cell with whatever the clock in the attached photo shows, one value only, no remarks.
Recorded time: 1:13
